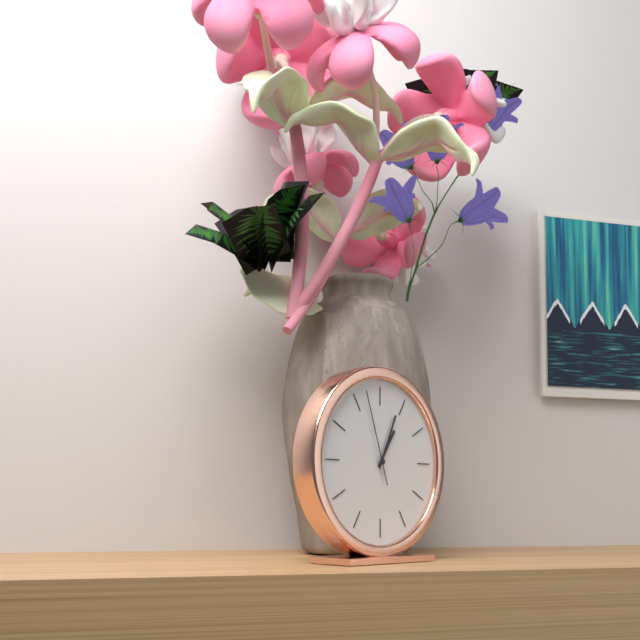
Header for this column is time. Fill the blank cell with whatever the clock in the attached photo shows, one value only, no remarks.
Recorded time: 1:04:57
